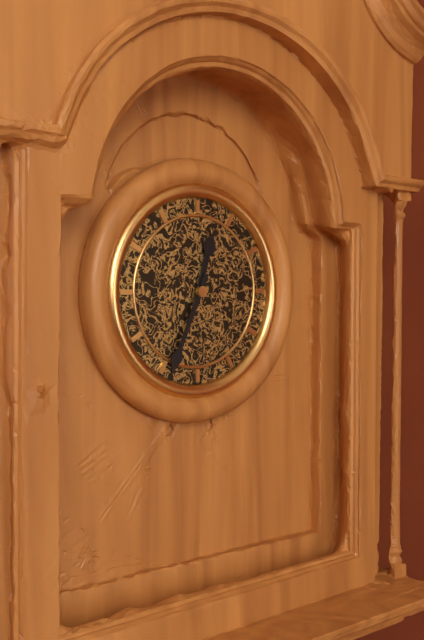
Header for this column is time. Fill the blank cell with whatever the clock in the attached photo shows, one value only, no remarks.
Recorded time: 12:34
